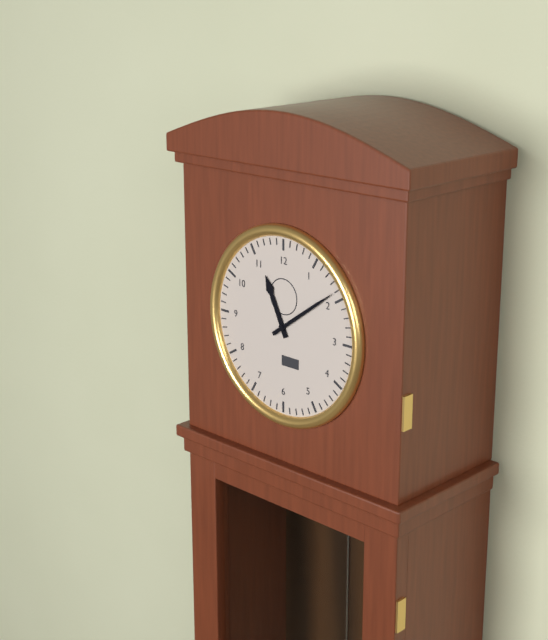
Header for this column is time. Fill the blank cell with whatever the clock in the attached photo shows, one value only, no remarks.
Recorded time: 11:09
